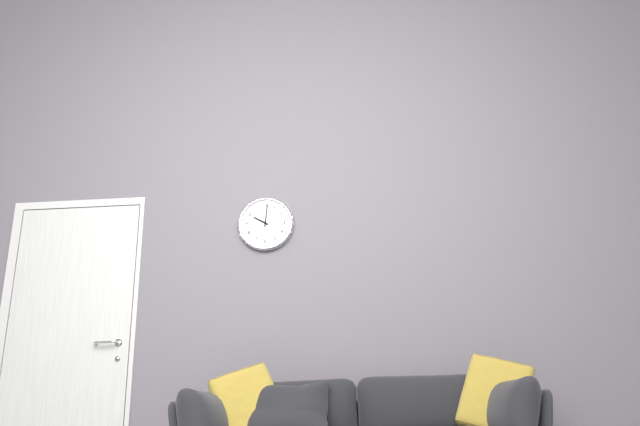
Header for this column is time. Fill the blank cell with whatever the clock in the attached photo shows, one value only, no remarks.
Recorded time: 10:01
